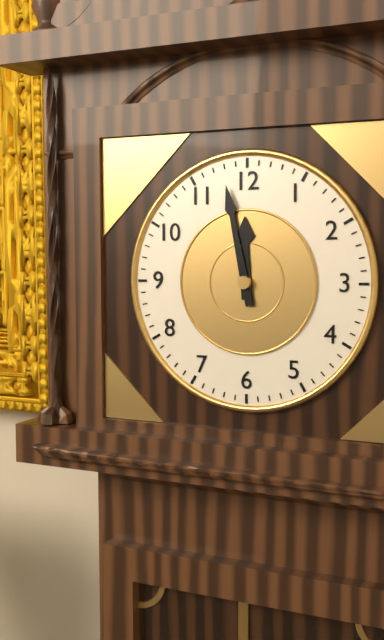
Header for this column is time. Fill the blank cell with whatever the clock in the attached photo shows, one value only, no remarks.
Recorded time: 11:58
